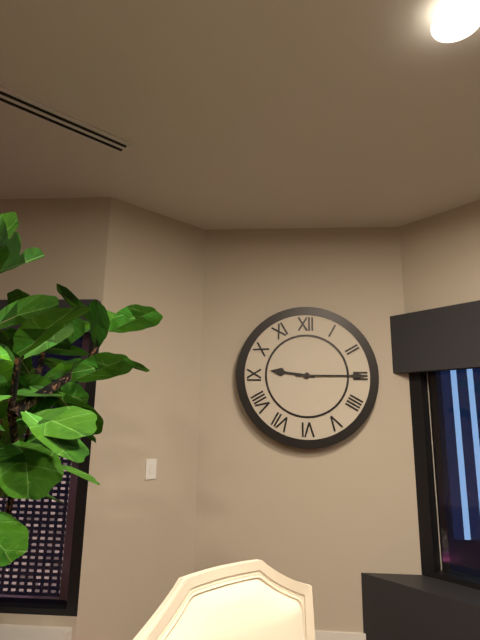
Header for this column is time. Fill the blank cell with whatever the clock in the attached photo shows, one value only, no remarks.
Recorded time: 9:15
